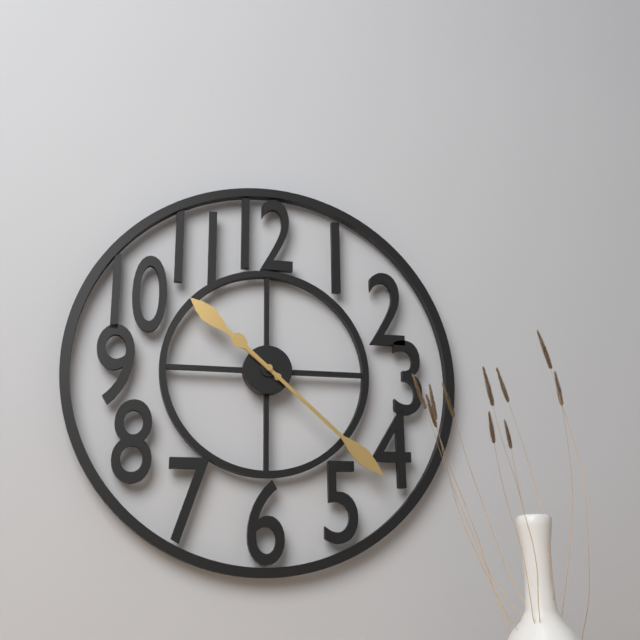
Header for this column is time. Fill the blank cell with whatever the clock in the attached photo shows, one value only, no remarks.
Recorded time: 10:22
